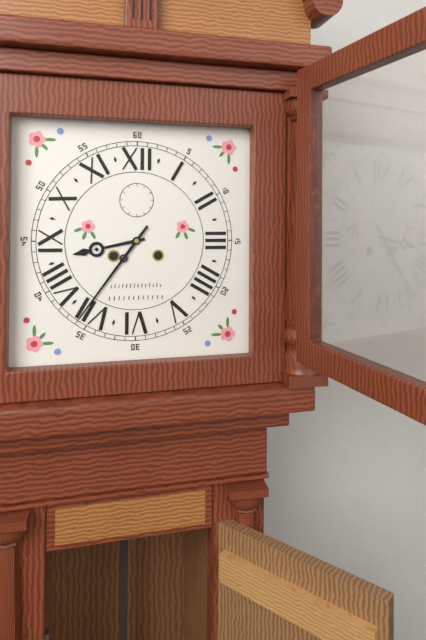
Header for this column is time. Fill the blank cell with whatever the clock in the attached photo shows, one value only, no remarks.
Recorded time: 8:36
